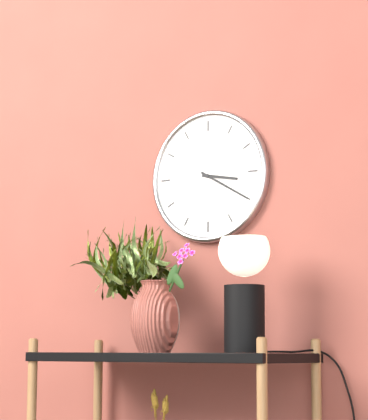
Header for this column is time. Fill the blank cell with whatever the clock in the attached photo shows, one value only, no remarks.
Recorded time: 3:20
